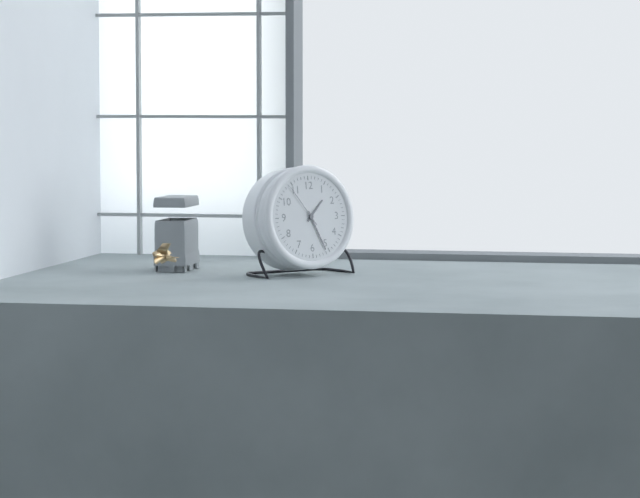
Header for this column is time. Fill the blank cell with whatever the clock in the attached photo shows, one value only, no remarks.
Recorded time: 1:26
